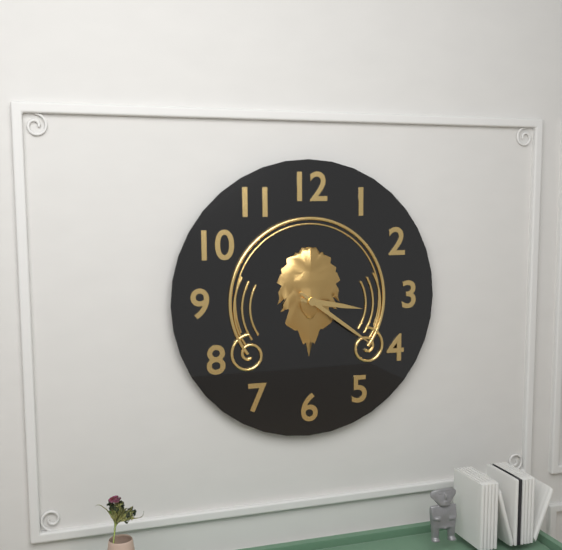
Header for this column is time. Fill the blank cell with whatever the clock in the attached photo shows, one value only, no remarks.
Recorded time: 3:21
